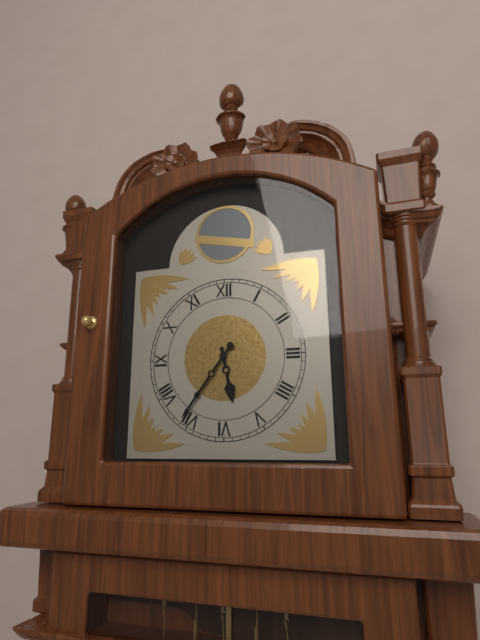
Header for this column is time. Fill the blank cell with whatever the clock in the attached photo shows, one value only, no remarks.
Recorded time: 5:36
